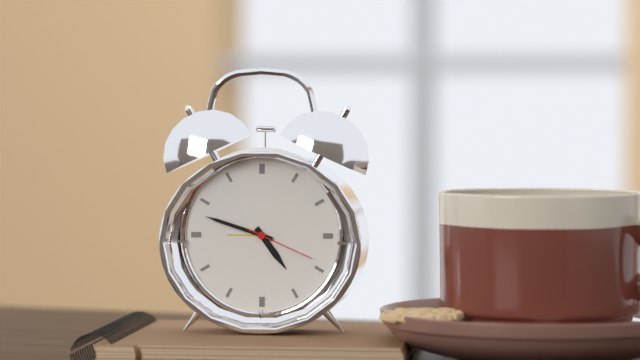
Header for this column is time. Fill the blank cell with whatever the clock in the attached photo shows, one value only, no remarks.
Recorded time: 4:48:19
